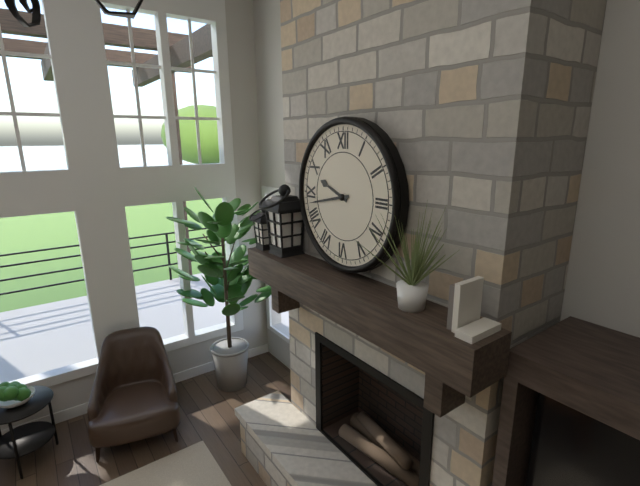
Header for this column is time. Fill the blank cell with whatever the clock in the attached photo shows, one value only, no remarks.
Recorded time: 9:43
